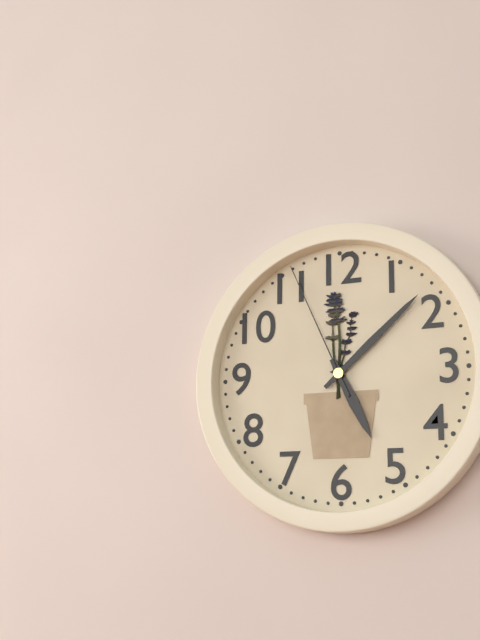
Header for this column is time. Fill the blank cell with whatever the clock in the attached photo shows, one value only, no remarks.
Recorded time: 5:08:56
